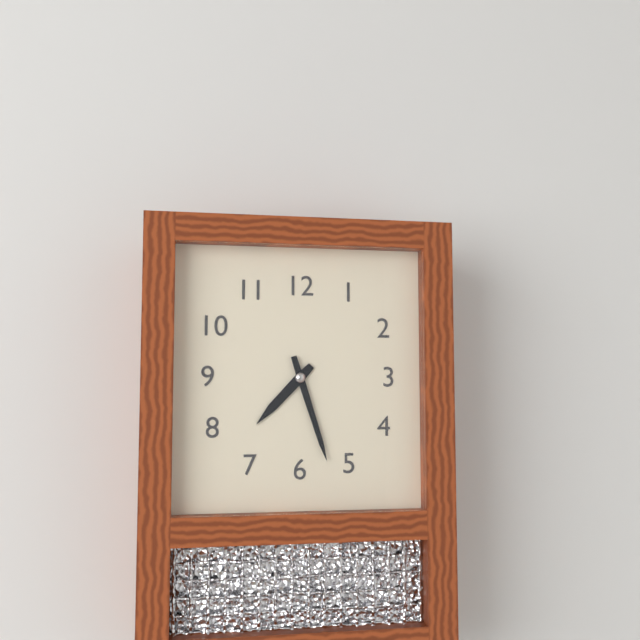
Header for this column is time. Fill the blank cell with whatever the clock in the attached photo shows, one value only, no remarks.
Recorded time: 7:27
